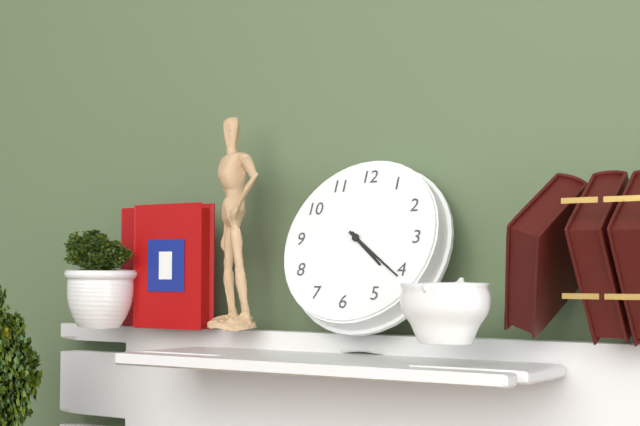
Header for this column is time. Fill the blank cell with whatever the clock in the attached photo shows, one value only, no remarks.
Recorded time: 4:21
